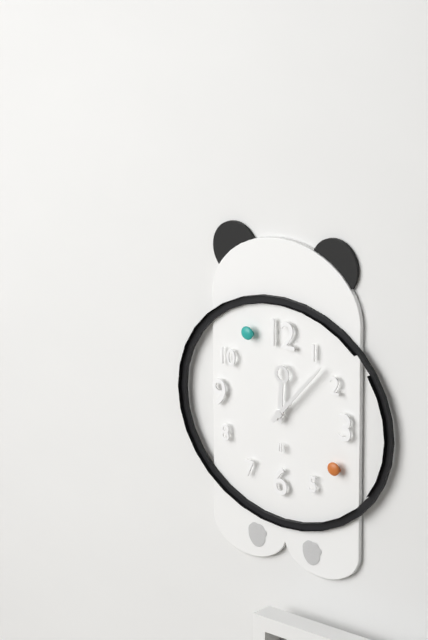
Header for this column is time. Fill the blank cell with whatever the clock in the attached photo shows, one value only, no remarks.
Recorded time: 12:07
